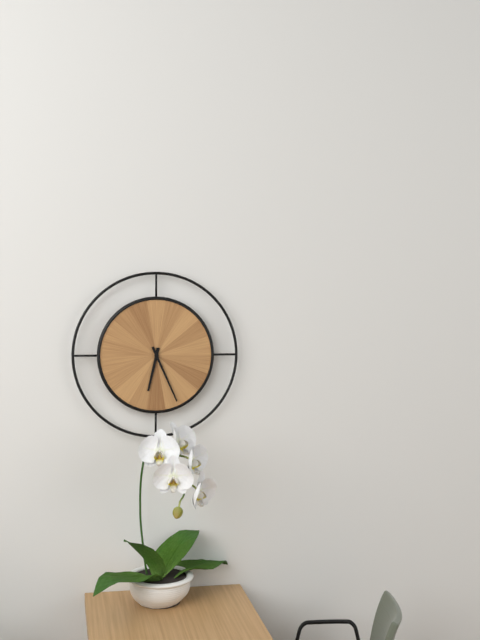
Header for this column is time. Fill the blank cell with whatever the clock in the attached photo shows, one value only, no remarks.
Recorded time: 6:26
